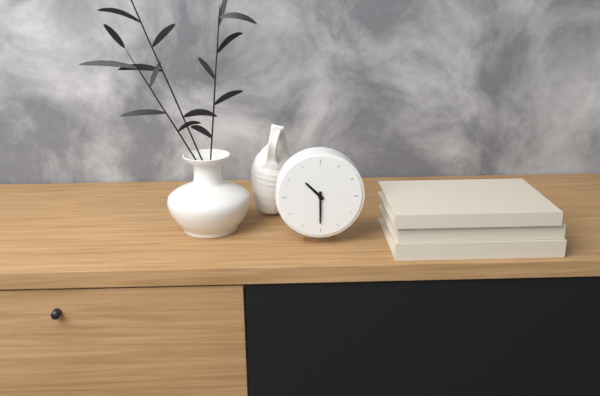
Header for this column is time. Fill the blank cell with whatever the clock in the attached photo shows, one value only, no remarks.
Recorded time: 10:30
